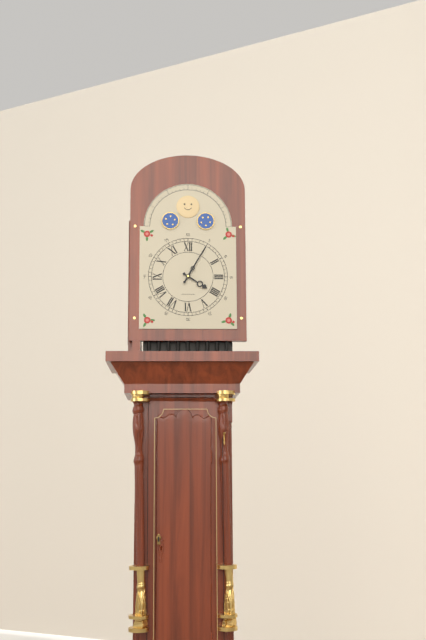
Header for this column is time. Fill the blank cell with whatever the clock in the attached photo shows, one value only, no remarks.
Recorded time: 4:05
